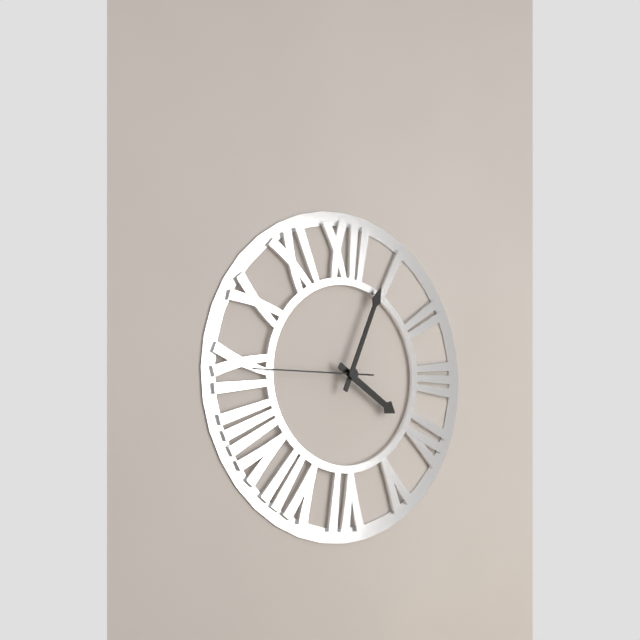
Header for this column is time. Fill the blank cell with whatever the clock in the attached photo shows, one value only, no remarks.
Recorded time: 4:04:45
